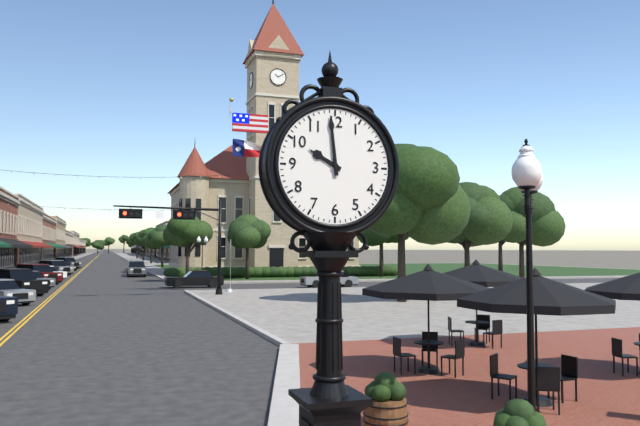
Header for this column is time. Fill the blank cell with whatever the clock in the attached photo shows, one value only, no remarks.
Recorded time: 9:59
